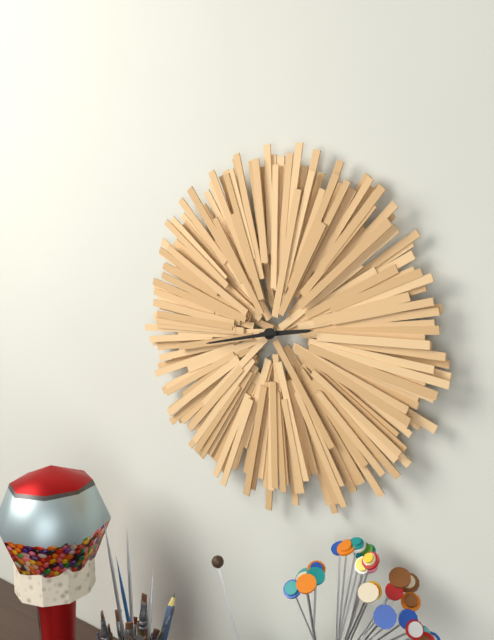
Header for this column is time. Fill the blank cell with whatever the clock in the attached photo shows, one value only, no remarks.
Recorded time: 2:43
